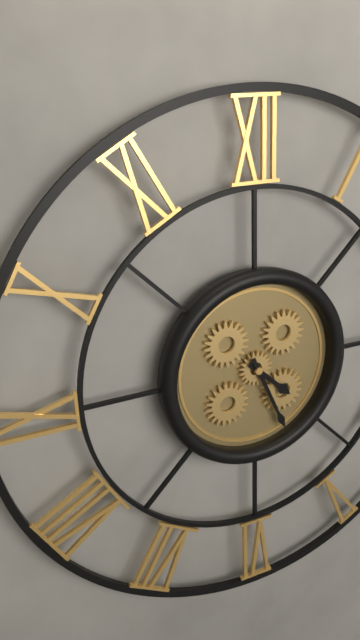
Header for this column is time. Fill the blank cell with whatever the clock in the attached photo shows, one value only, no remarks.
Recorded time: 4:26
